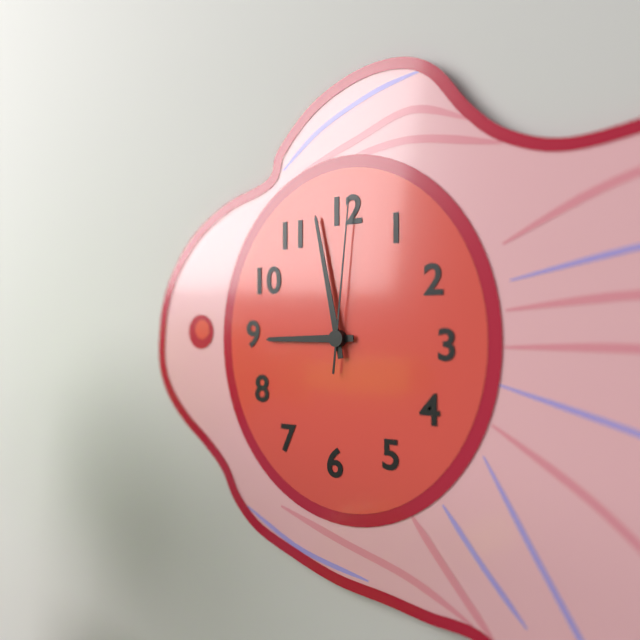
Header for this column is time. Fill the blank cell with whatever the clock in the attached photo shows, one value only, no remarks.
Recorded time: 8:58:01
